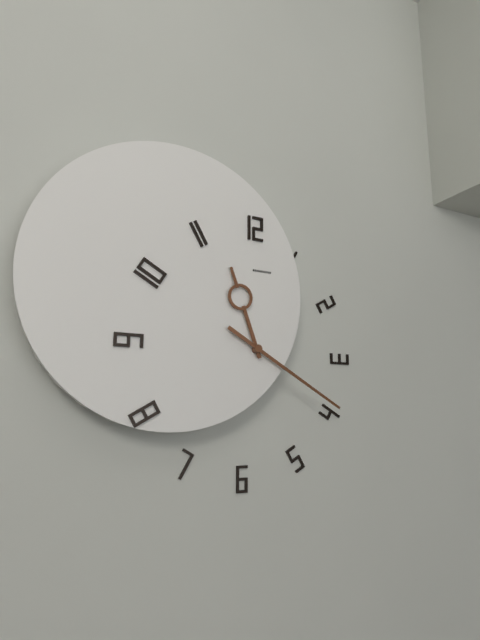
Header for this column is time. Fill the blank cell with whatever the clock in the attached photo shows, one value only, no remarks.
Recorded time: 11:20
